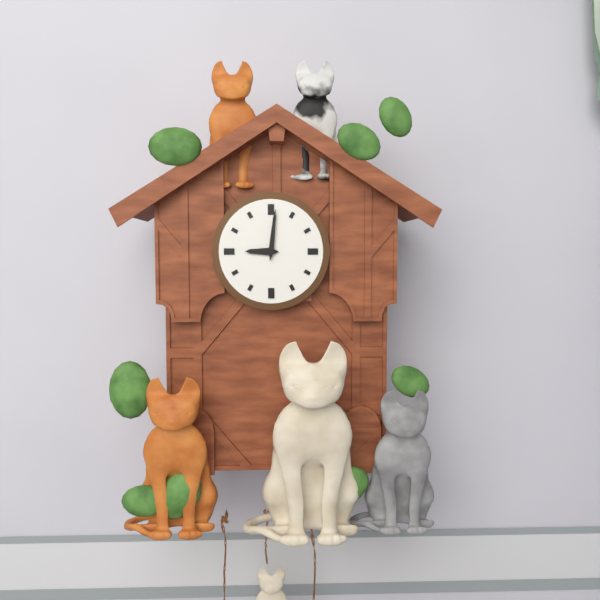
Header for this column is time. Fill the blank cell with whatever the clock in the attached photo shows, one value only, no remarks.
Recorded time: 9:01
